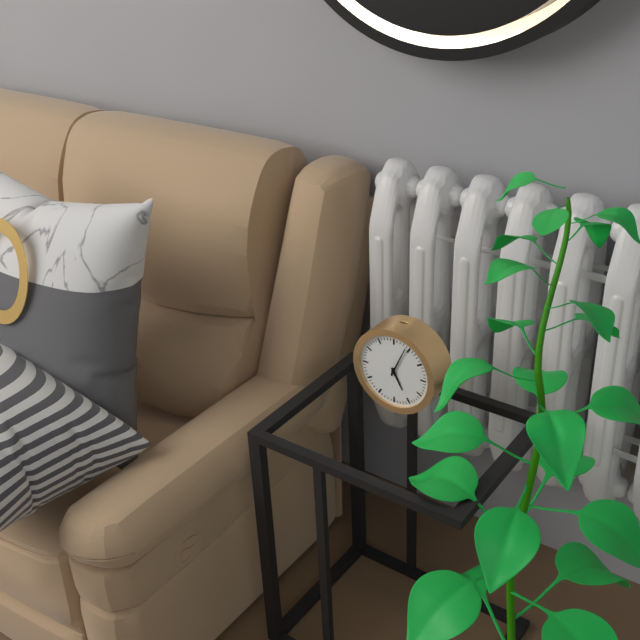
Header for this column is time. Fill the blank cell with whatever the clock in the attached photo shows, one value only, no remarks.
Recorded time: 5:04
